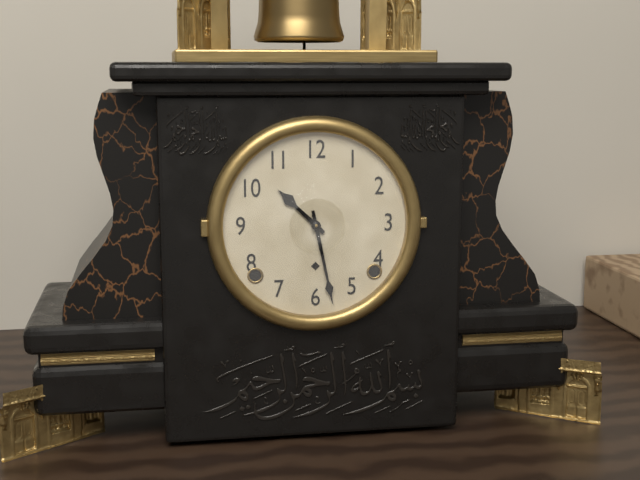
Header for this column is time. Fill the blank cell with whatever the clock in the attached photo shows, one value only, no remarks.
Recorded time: 10:28
